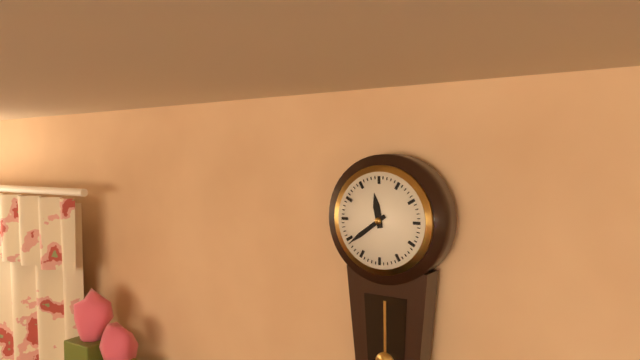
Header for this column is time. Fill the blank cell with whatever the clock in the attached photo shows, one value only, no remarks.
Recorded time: 11:39
